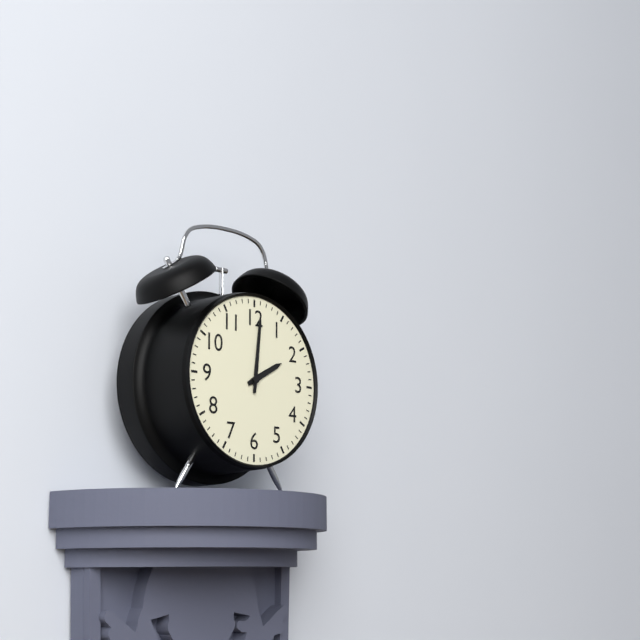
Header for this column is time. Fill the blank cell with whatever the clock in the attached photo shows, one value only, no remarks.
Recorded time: 2:01
